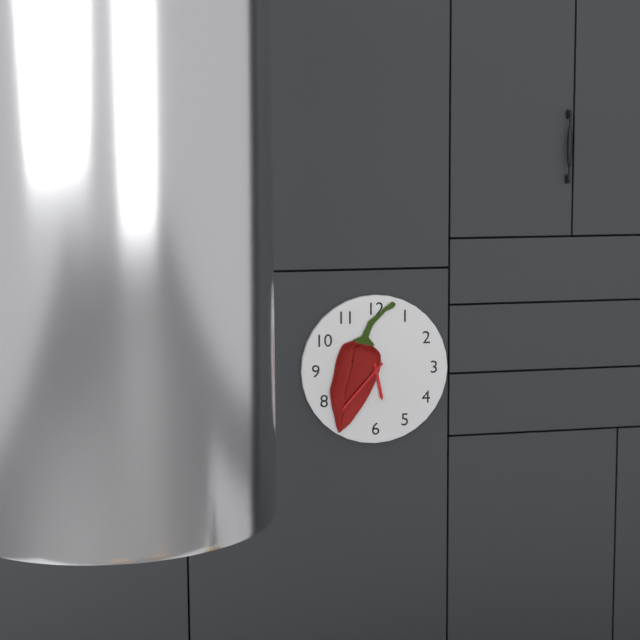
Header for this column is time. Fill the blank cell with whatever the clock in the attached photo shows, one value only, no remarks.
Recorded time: 5:37
